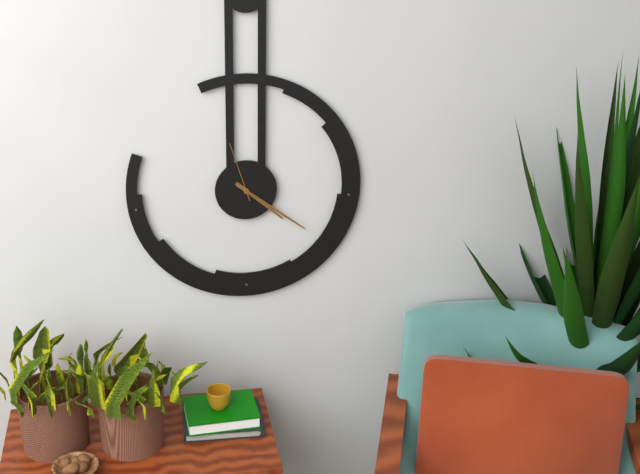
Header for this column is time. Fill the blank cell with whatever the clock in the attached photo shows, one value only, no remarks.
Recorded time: 4:21:57
